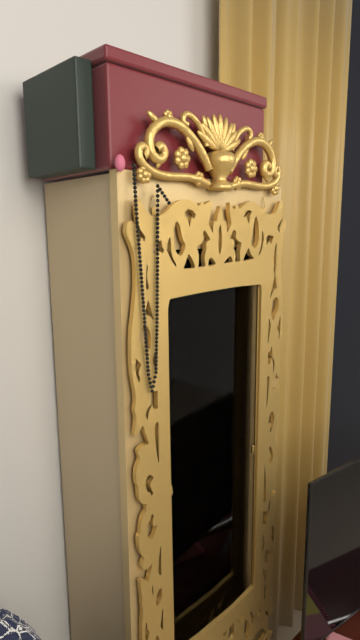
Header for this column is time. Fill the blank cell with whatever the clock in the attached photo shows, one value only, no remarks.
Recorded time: 9:00
